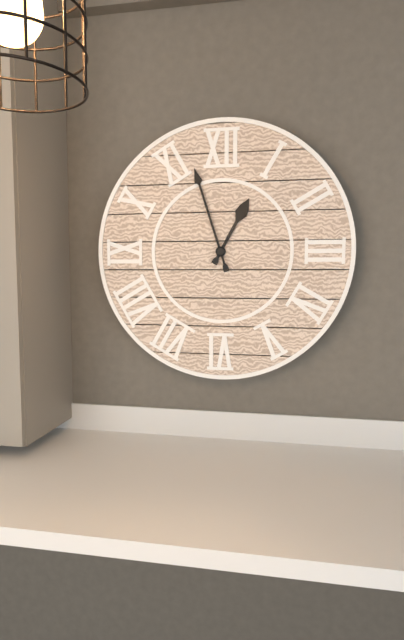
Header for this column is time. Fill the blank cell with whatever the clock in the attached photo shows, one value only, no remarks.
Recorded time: 12:57
